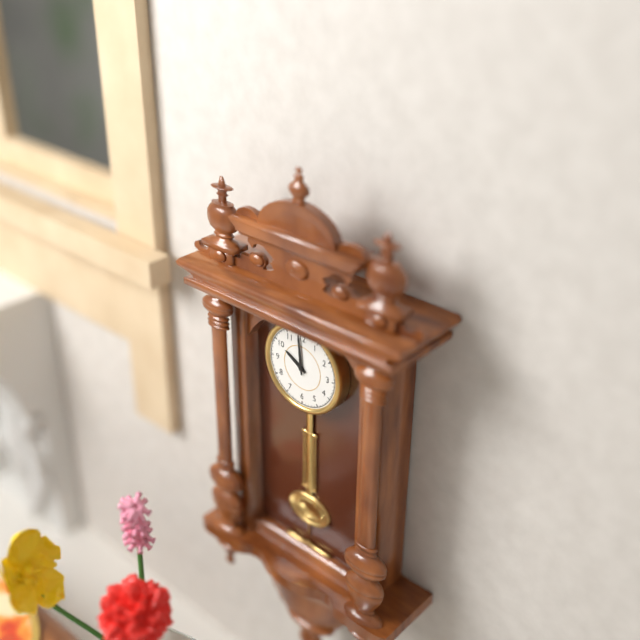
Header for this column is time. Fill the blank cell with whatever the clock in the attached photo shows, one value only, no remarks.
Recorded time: 9:59
